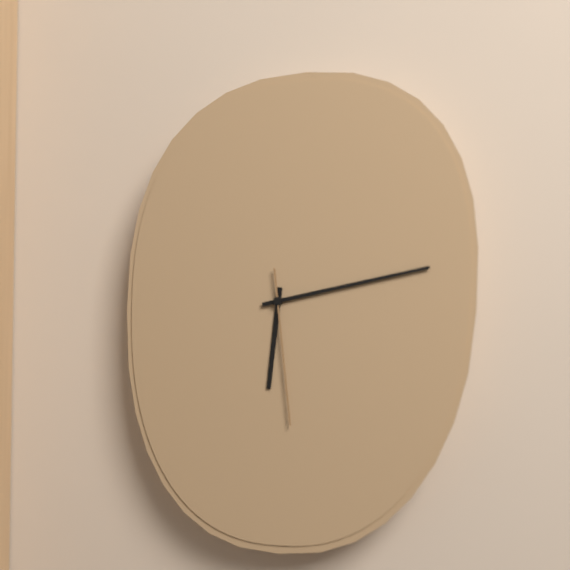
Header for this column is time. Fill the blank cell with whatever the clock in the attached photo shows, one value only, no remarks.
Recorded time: 6:13:29
